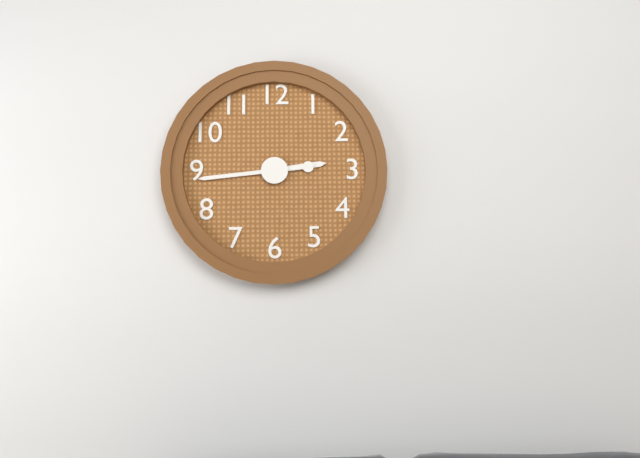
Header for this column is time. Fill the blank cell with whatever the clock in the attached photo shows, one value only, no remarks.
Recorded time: 2:44
